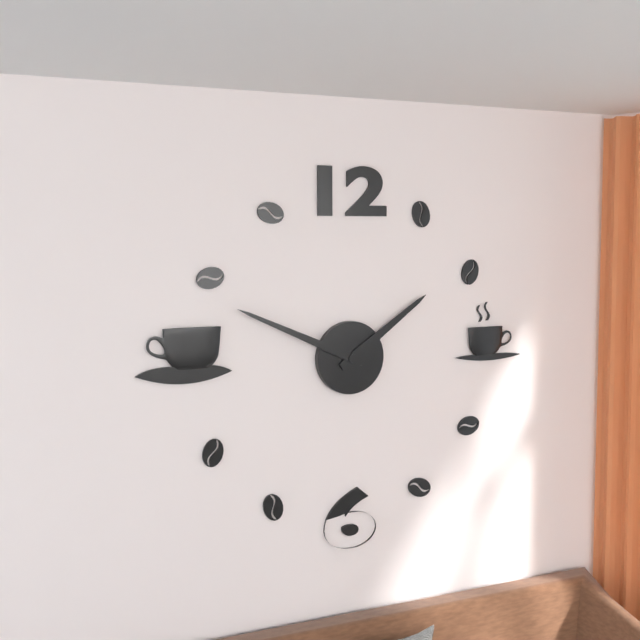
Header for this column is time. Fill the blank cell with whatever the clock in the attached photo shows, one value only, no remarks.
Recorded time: 1:49
